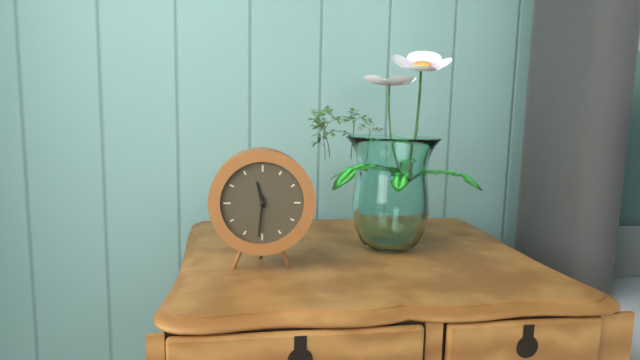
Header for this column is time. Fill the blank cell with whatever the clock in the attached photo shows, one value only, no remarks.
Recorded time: 11:31
